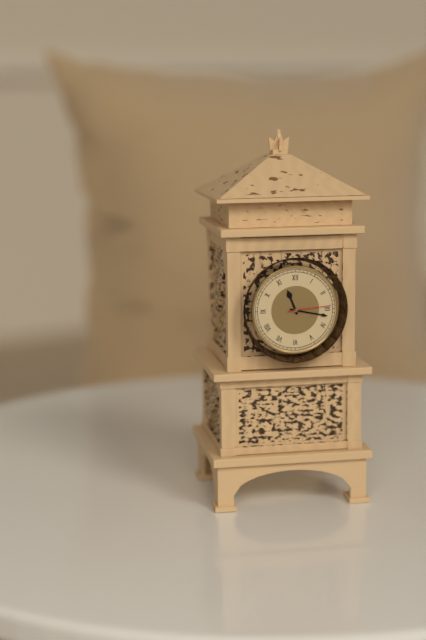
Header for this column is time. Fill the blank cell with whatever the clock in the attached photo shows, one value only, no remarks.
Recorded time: 11:17
